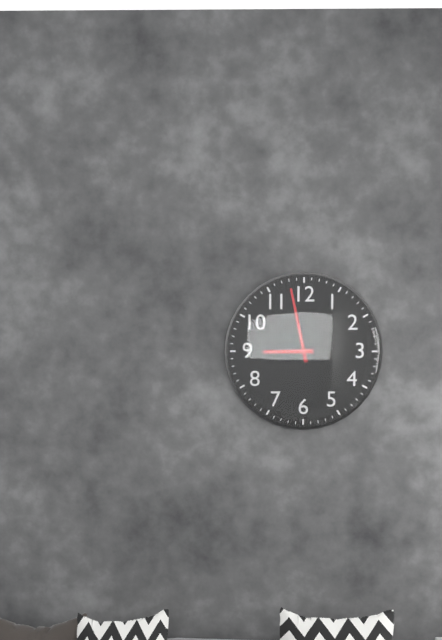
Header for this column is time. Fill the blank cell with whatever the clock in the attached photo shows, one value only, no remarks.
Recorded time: 8:58
